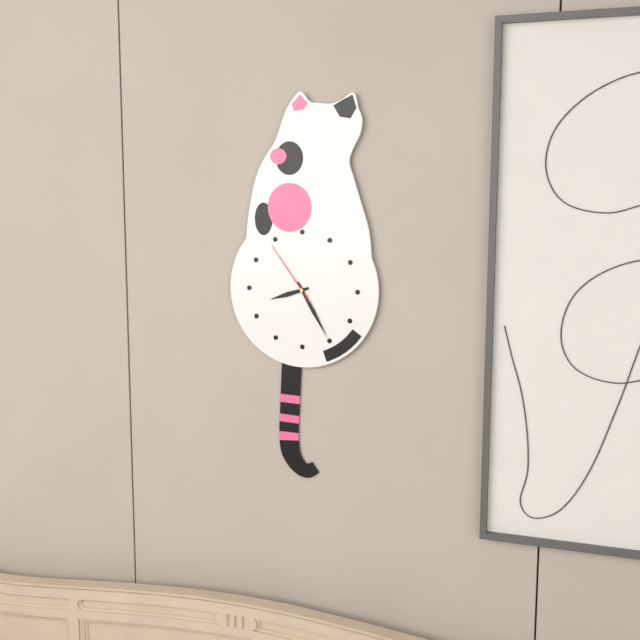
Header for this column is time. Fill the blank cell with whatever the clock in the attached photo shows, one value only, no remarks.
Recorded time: 8:25:54
